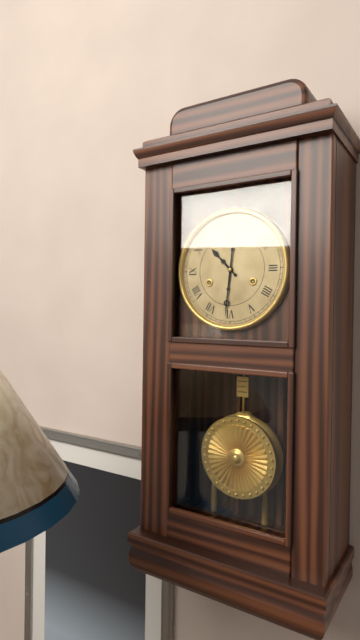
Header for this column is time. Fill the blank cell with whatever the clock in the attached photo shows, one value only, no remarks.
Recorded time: 10:31
